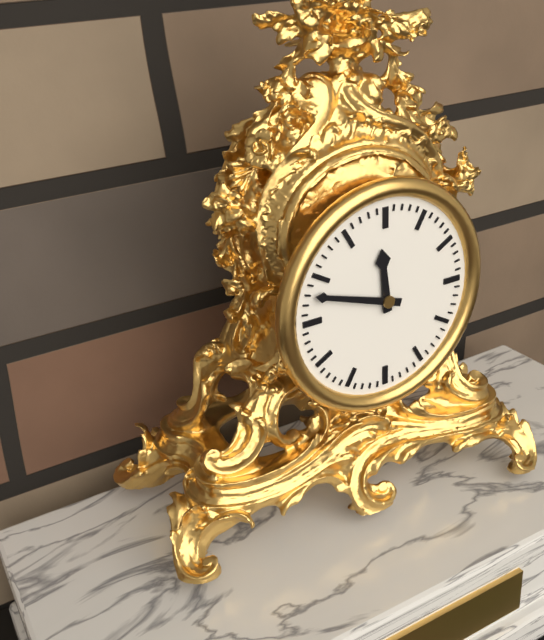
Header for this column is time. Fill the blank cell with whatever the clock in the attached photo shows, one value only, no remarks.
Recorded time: 11:48
